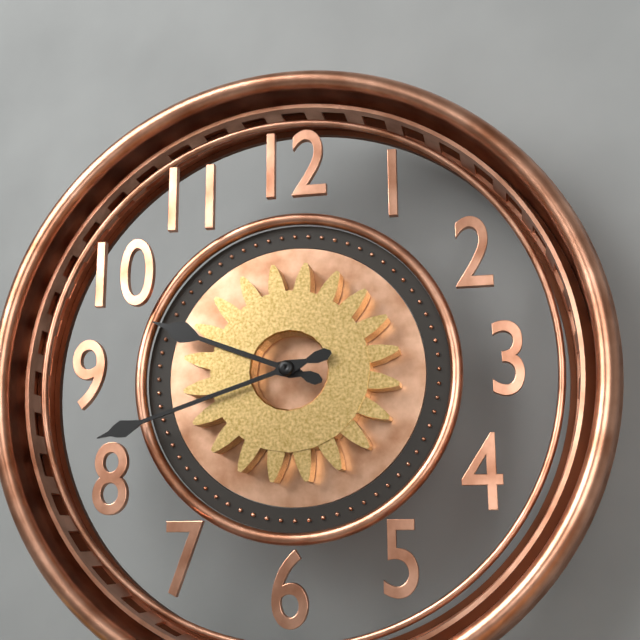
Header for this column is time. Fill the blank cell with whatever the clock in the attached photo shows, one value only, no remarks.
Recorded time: 9:42
